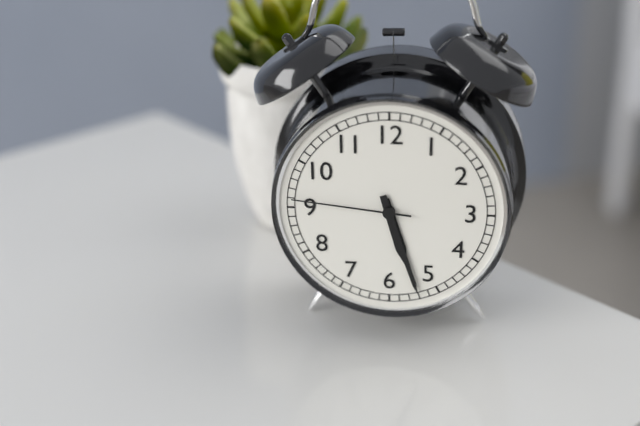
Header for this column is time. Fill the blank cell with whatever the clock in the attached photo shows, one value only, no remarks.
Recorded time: 5:27:46
